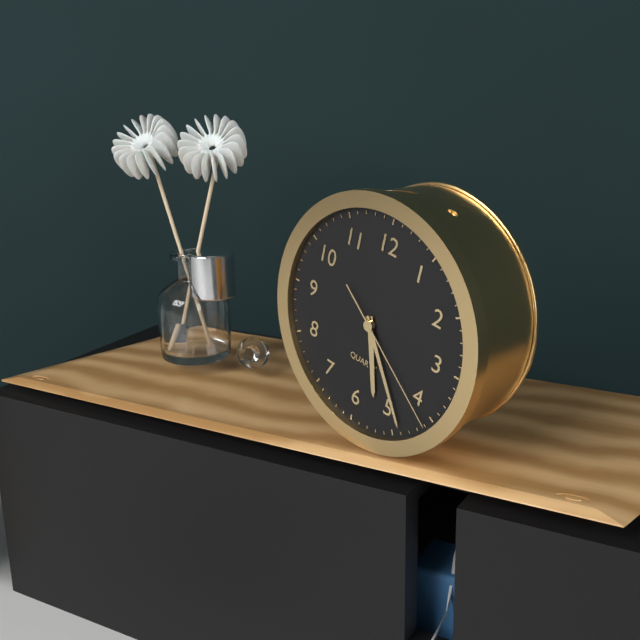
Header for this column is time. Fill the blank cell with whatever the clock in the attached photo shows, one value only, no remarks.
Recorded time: 5:24:21
